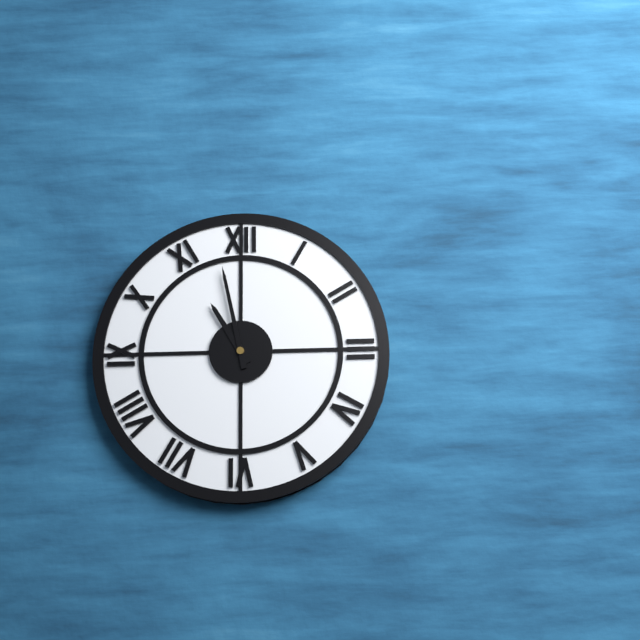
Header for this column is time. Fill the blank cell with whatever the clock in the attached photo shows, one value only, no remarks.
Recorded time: 10:58
